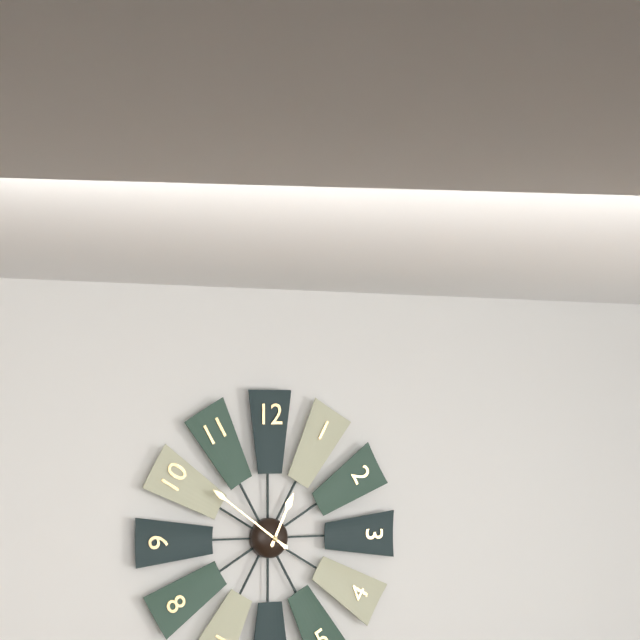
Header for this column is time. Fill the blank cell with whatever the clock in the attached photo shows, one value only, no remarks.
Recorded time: 12:51
